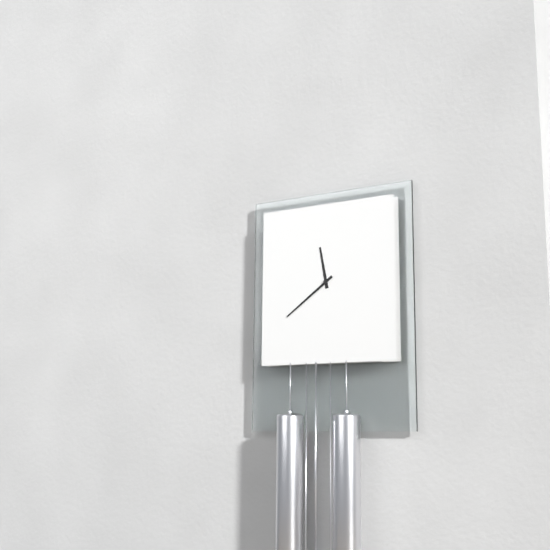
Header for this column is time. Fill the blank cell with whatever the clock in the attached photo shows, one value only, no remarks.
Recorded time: 11:39
